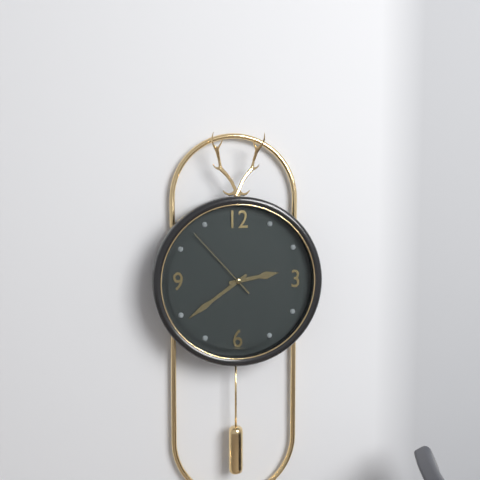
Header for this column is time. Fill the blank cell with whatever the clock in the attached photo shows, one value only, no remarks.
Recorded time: 2:39:53
